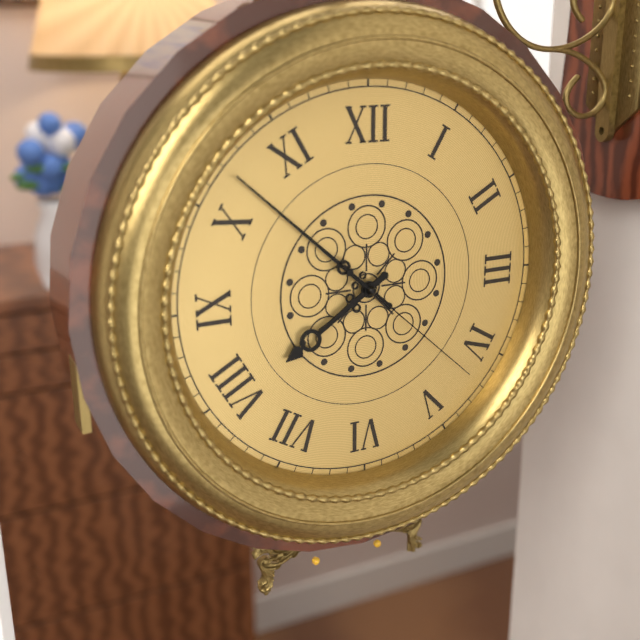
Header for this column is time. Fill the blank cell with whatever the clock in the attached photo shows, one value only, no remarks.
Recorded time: 7:52:22
